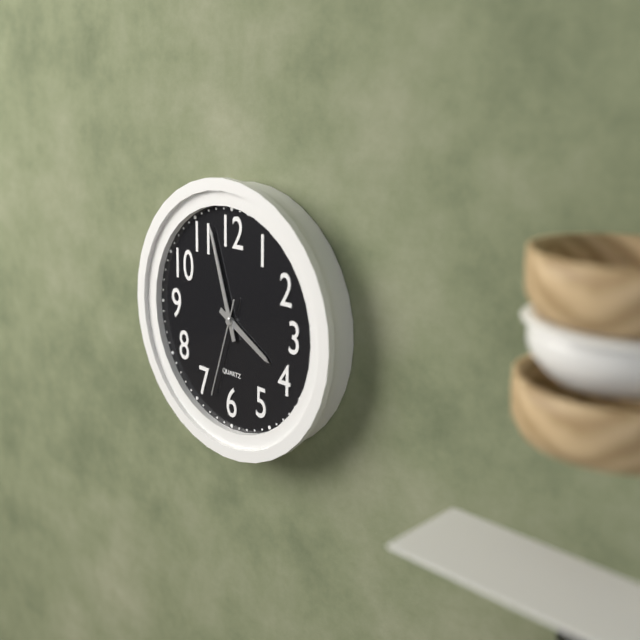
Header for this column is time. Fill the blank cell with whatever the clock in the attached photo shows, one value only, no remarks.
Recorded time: 3:57:33
